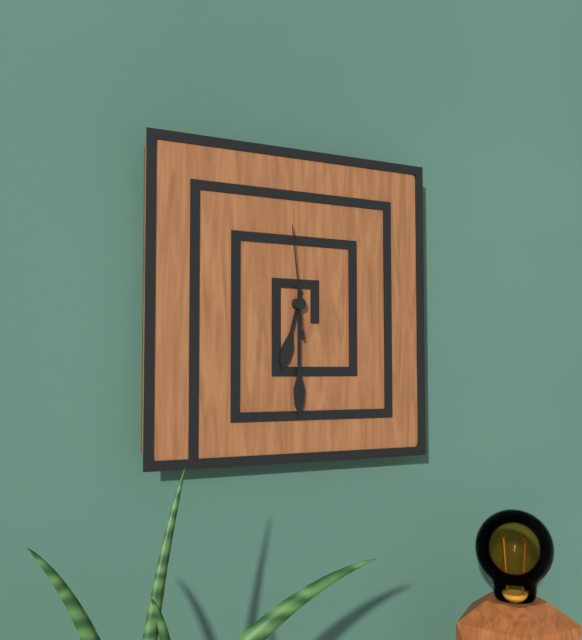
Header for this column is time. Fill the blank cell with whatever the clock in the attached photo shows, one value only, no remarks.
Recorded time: 6:30:59
